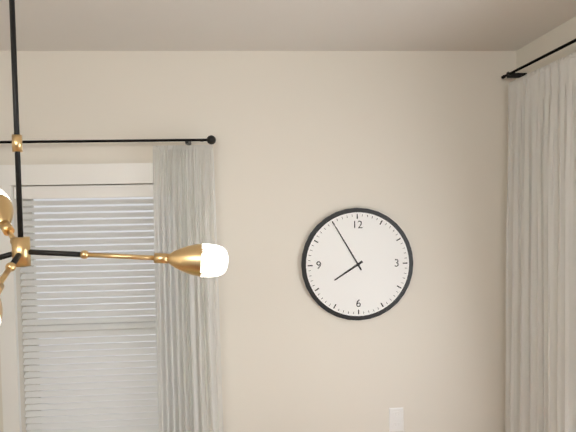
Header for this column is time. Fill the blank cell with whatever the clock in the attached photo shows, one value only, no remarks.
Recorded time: 7:55
